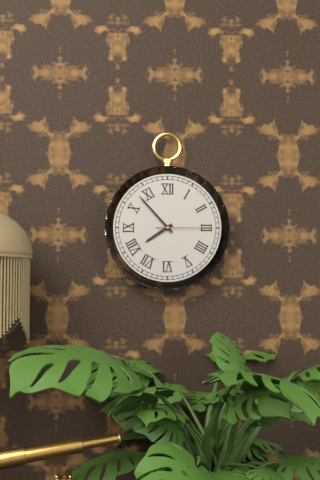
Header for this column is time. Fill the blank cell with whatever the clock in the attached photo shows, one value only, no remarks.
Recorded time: 7:53:15
